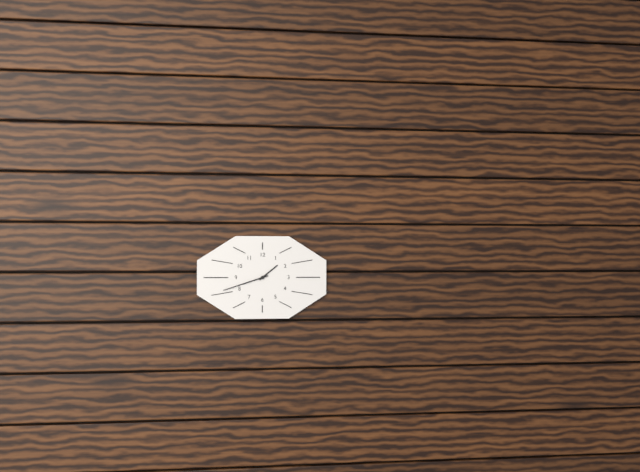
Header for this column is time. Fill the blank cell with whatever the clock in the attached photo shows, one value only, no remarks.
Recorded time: 1:42
